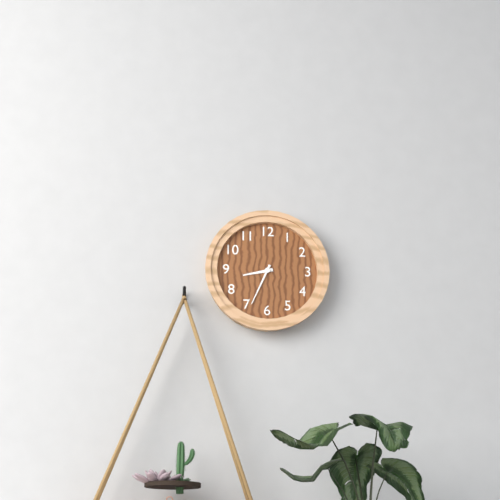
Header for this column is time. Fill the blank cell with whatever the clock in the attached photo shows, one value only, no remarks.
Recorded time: 8:34
